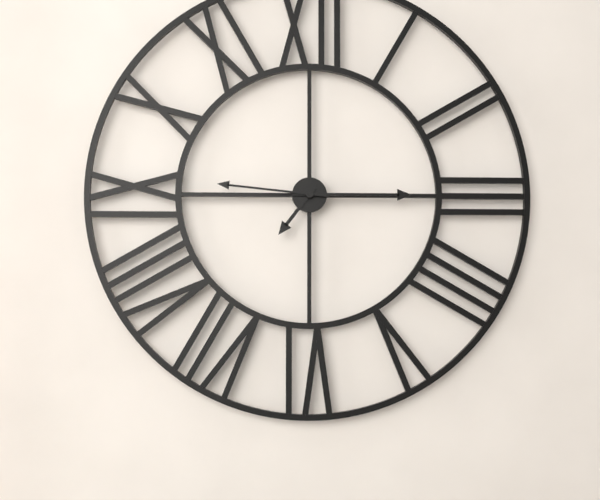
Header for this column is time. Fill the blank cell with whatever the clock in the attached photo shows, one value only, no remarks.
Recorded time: 7:15:46
